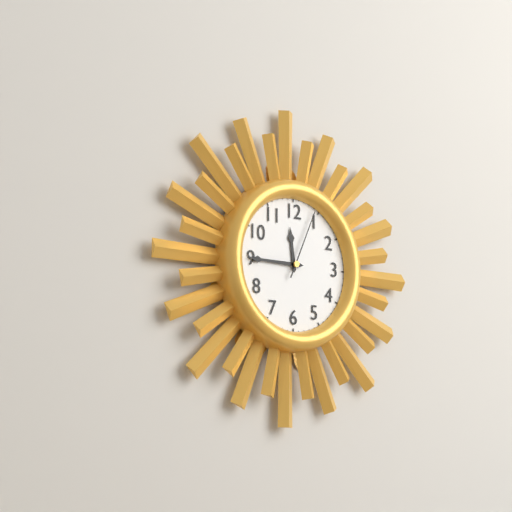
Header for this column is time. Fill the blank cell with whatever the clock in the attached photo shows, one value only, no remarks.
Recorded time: 11:45:04
